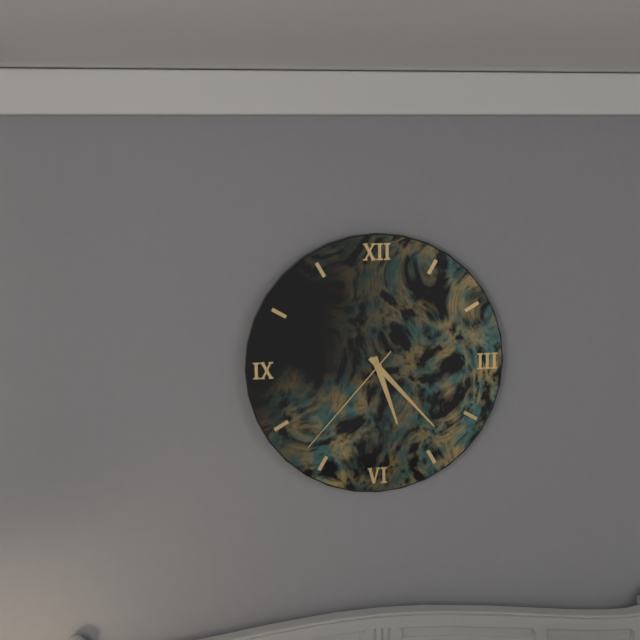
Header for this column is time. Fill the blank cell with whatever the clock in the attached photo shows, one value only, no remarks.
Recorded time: 5:23:37
